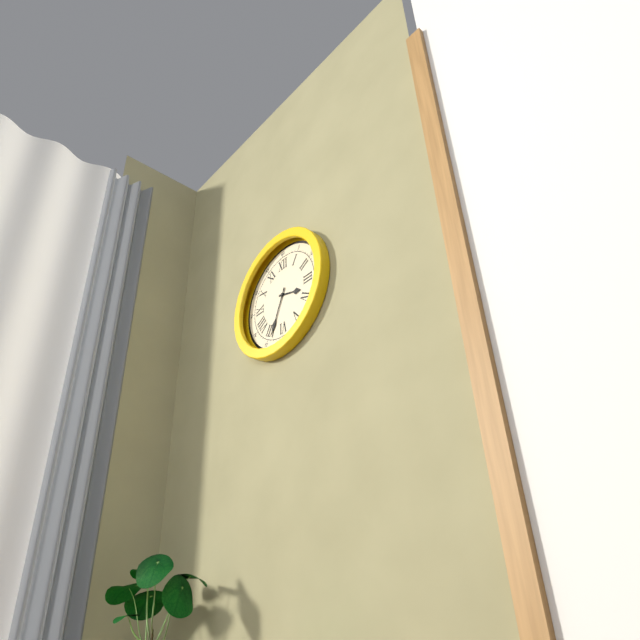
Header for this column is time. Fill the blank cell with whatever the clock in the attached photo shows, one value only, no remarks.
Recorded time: 3:34
